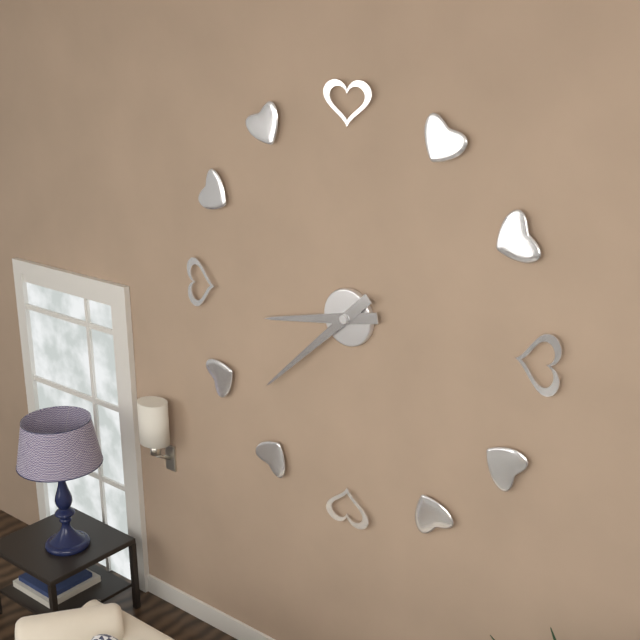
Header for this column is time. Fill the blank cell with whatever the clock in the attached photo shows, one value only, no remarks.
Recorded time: 8:38
